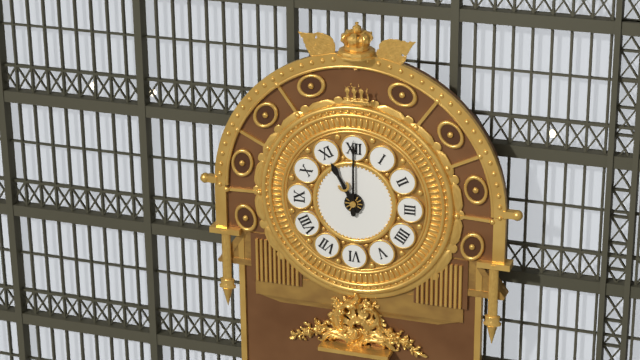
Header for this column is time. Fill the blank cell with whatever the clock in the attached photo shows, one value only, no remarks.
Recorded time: 11:00
